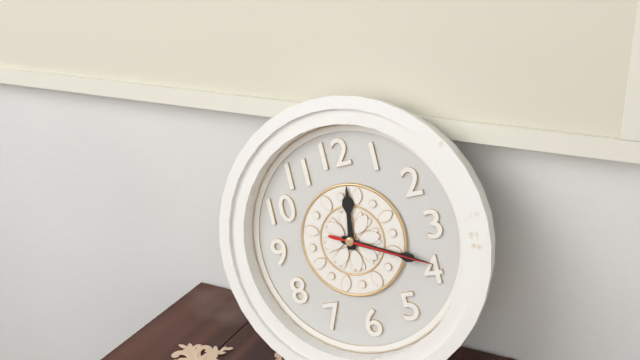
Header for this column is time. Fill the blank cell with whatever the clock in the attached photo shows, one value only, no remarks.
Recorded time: 12:19:19
